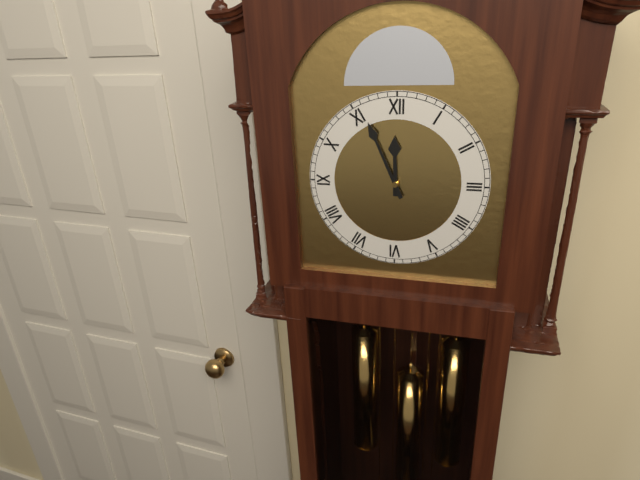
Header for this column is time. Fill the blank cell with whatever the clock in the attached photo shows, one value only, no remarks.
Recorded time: 11:56
